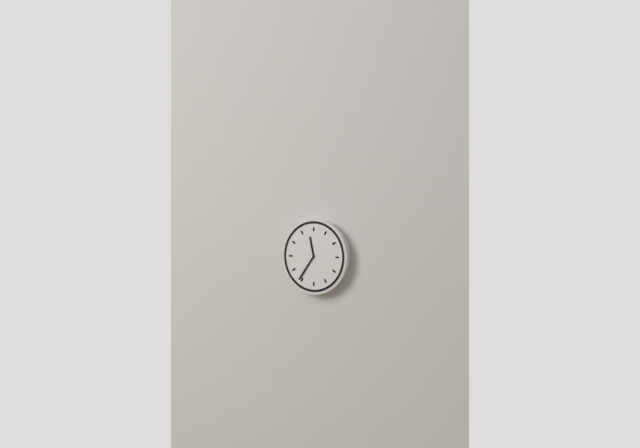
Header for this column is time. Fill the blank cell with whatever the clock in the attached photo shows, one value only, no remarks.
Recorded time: 11:36
